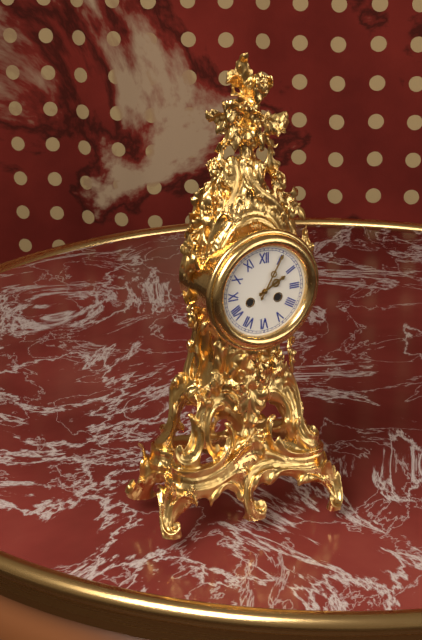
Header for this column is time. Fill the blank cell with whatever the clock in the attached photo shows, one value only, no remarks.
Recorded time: 2:05
